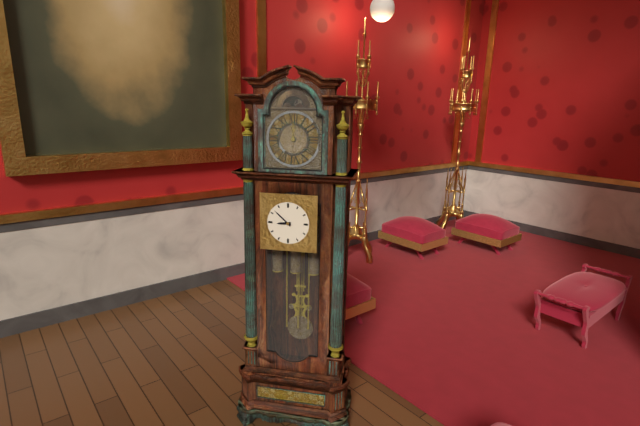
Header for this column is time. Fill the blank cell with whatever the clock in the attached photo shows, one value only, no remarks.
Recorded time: 8:52
